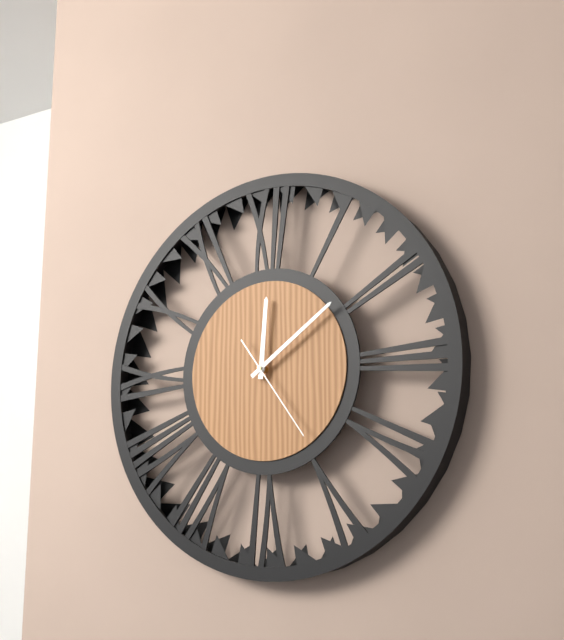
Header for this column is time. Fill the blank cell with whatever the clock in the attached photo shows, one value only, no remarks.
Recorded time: 12:09:24
